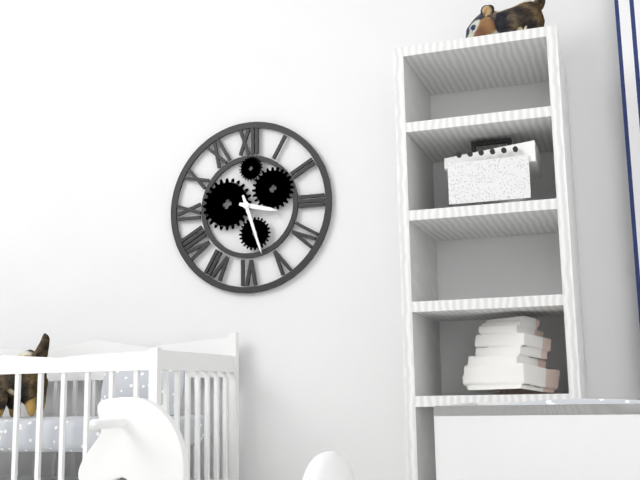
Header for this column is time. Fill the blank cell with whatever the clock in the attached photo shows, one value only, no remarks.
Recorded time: 3:27
